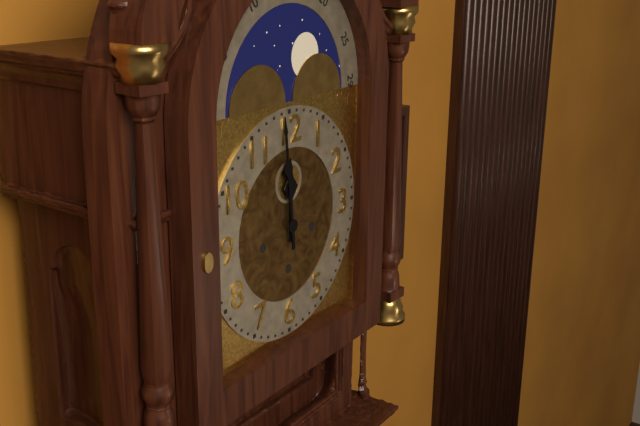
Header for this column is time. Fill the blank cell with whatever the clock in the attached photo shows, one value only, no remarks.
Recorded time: 11:59
